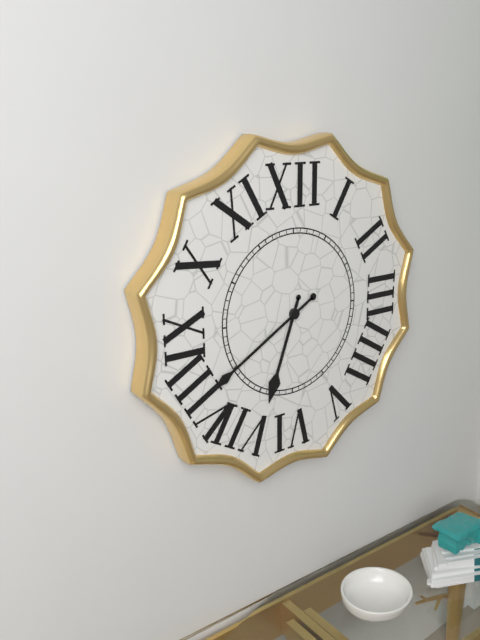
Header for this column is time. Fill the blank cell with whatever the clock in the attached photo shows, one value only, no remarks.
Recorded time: 6:40
